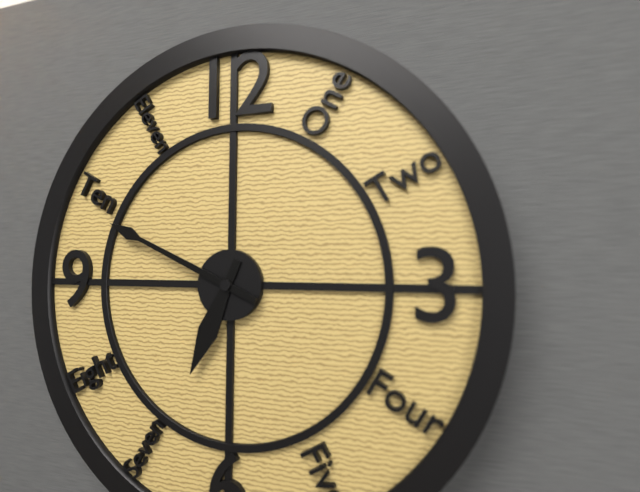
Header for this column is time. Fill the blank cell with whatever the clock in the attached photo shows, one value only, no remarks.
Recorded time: 6:49
